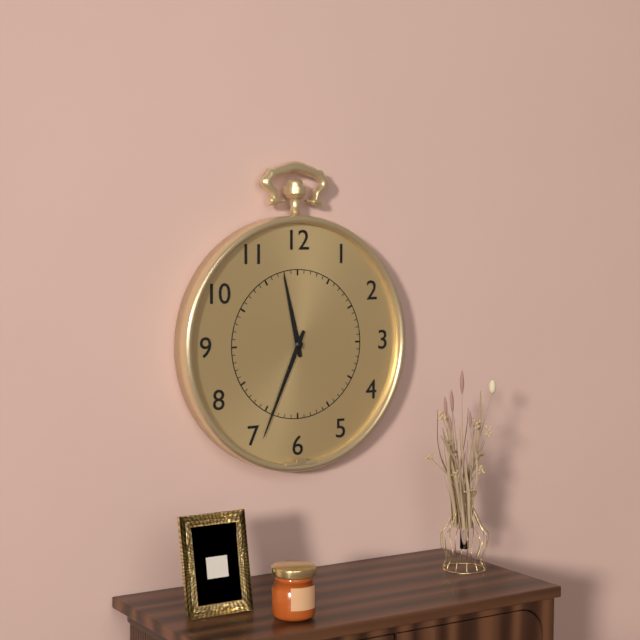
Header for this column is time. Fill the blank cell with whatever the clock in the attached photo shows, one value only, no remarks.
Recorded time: 11:34
